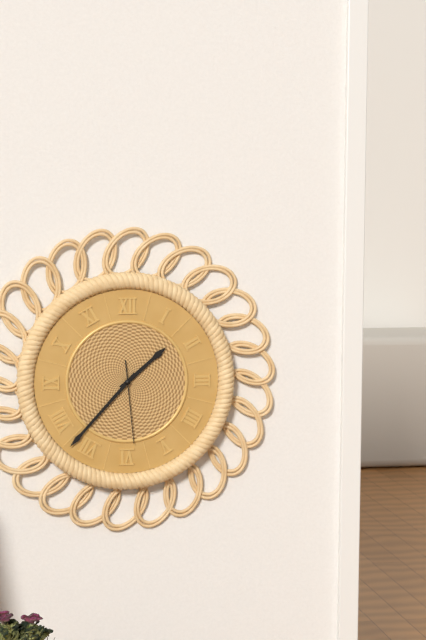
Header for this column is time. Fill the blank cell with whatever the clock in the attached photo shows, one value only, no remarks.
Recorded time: 1:37:29
